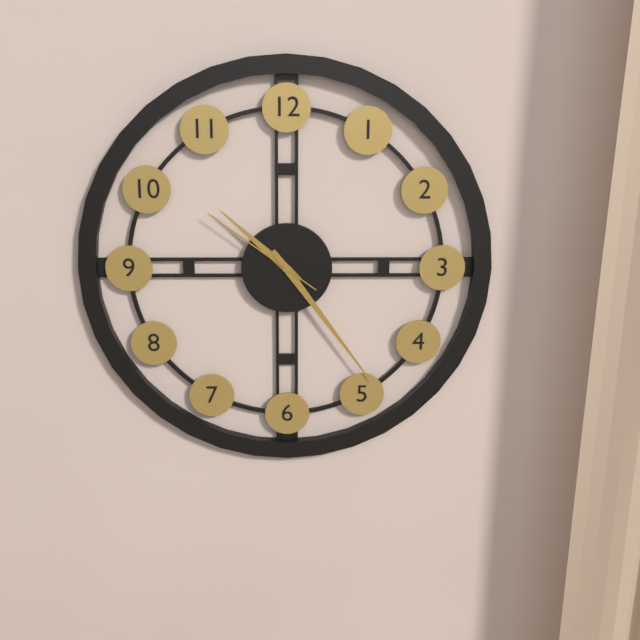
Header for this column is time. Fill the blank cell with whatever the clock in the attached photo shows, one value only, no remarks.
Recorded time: 10:24:51
